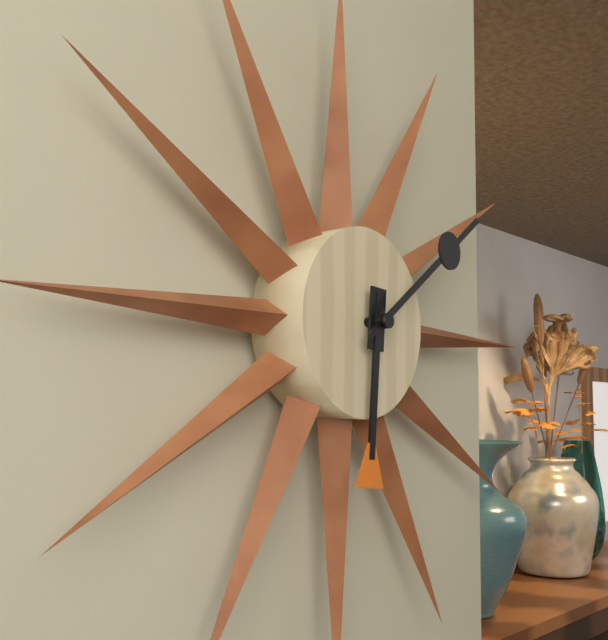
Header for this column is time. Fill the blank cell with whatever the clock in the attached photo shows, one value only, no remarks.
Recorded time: 6:09
